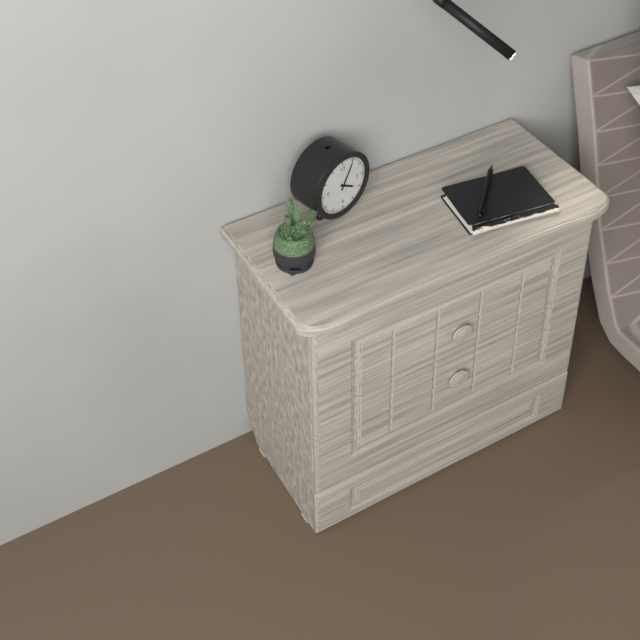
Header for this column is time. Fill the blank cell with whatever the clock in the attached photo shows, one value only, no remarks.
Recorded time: 4:05
